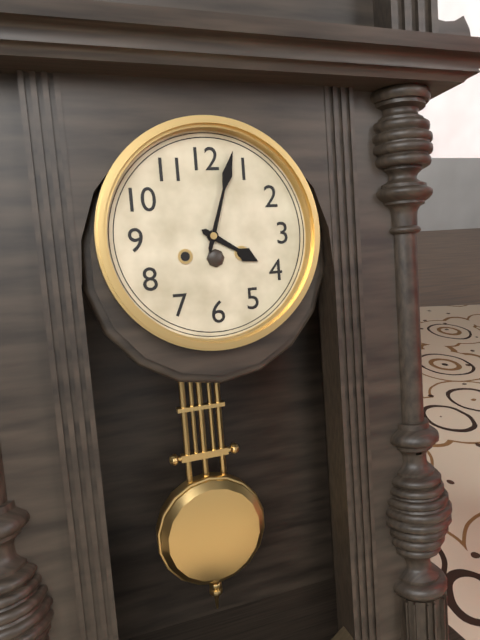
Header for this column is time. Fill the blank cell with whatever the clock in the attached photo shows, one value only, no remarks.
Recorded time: 4:03
